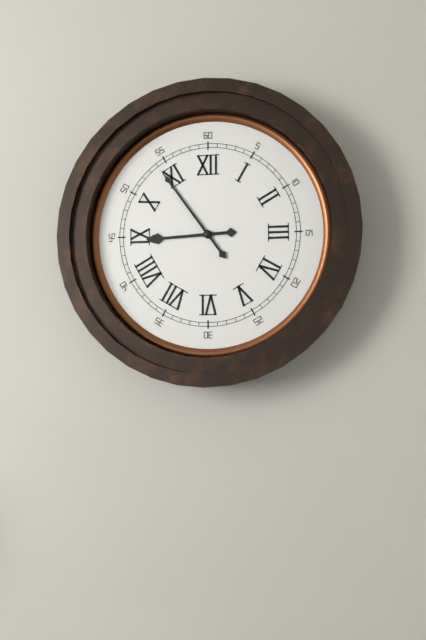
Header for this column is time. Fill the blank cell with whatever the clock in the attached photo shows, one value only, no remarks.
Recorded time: 8:54
